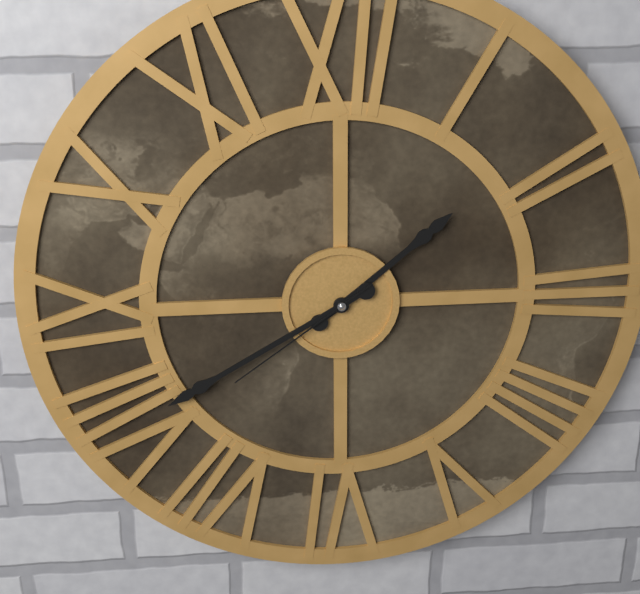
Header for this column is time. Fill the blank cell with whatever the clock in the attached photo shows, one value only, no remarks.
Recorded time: 1:40:39
